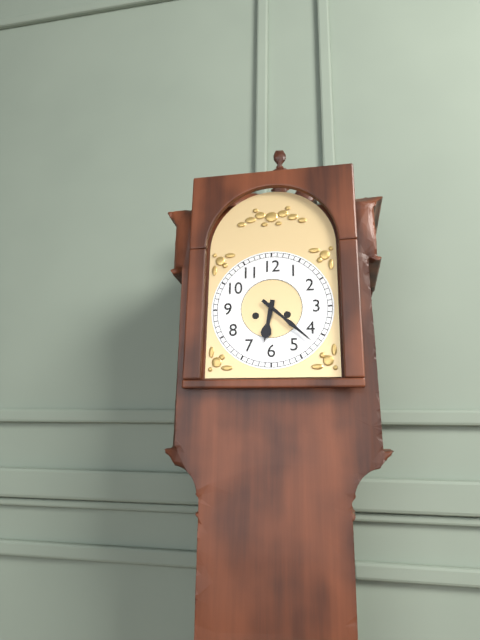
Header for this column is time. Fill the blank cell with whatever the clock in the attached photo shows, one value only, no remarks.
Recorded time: 6:22
